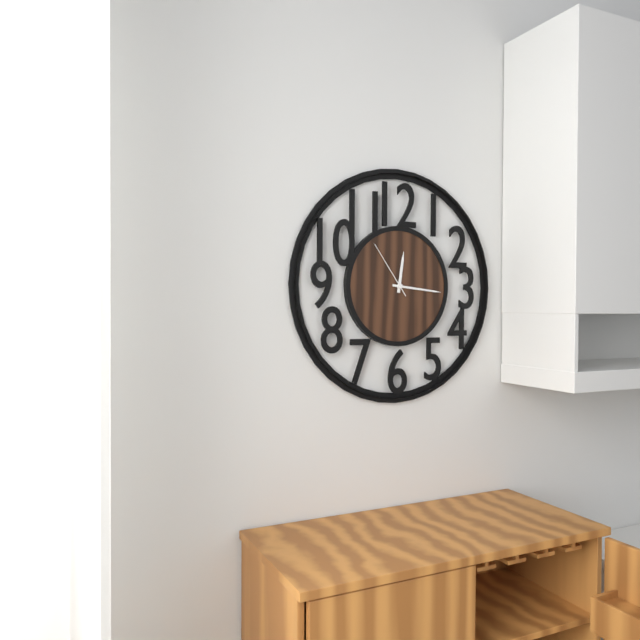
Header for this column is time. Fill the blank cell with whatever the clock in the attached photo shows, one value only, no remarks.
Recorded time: 12:16:54
